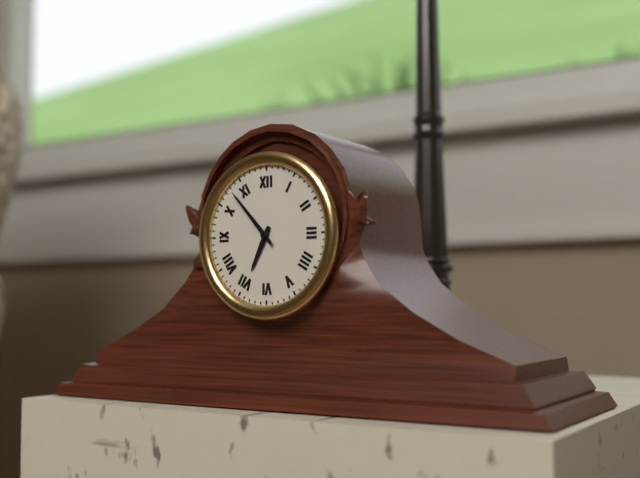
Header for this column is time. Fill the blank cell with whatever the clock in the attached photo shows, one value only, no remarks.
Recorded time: 6:53
